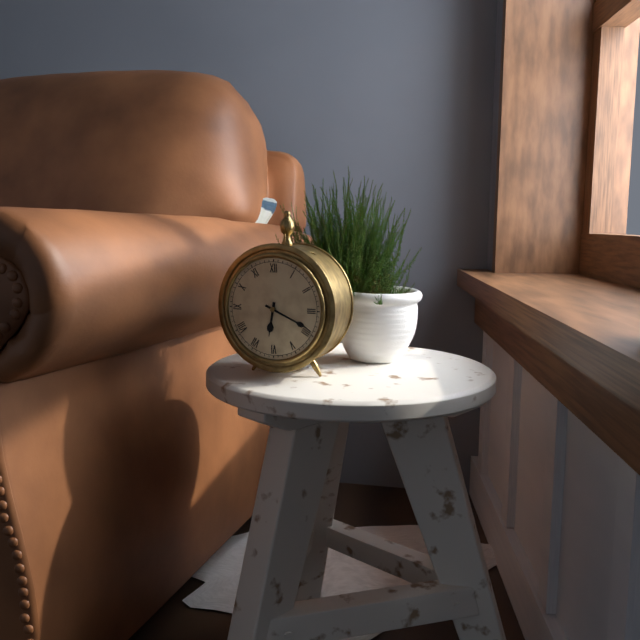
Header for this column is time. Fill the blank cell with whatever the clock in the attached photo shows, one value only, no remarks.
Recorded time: 6:19
